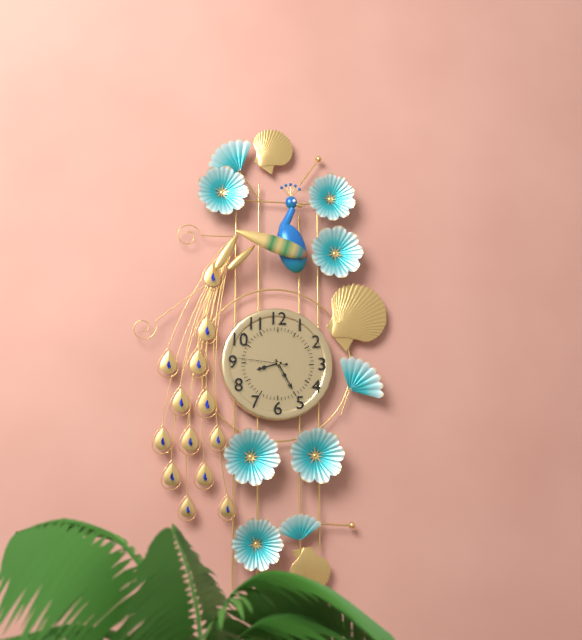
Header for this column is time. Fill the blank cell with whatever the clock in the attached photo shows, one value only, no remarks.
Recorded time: 8:25:46
